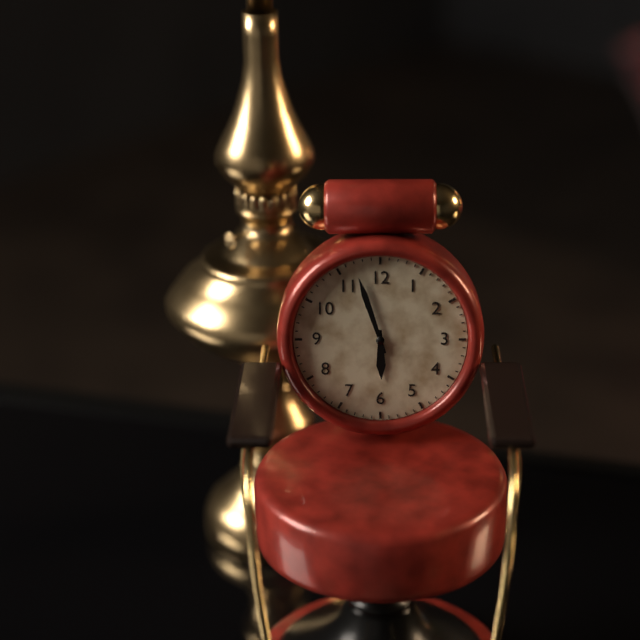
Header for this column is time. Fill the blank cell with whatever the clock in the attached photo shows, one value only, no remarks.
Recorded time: 5:57
